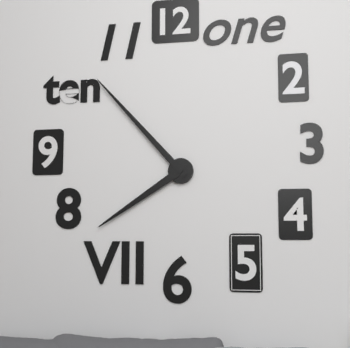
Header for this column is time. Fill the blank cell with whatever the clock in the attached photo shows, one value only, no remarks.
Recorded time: 7:53
